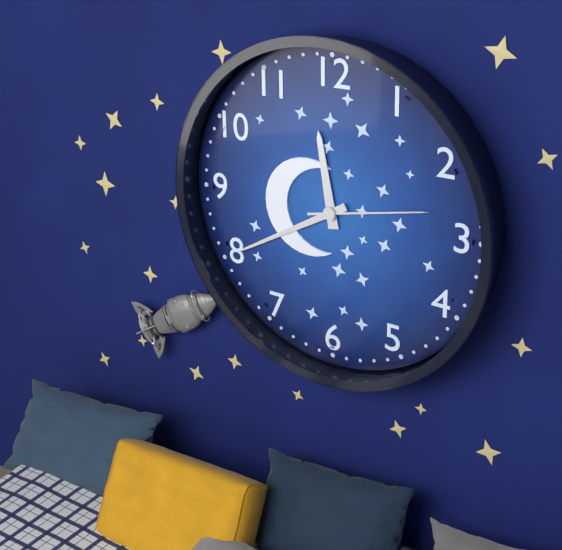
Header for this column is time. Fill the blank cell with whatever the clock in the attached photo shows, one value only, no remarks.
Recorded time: 11:40:13
